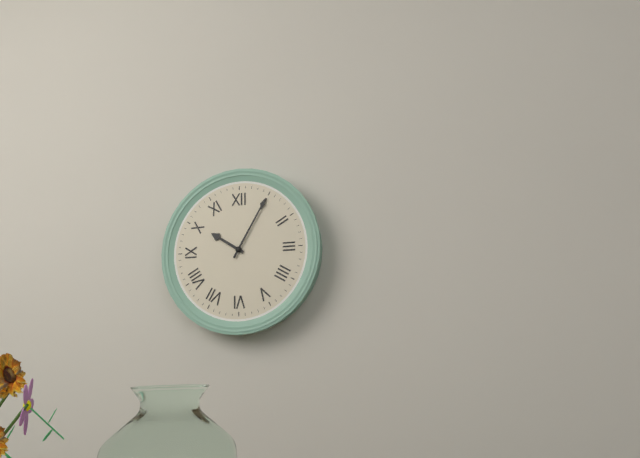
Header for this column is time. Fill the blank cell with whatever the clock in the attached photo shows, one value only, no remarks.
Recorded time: 10:05
